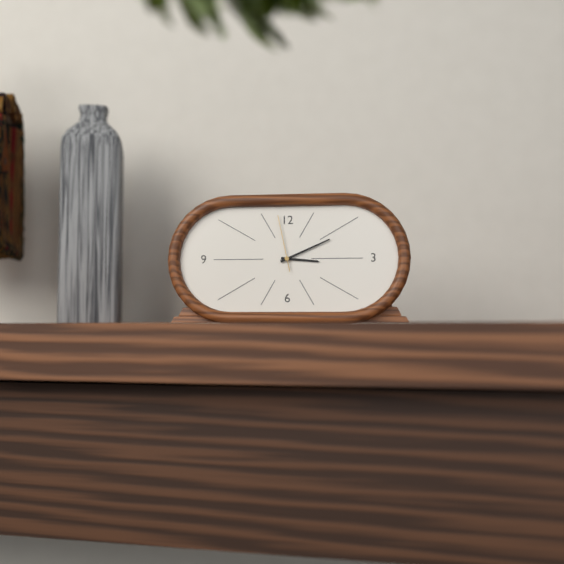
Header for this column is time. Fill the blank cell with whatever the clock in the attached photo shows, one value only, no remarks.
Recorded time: 3:11:58
